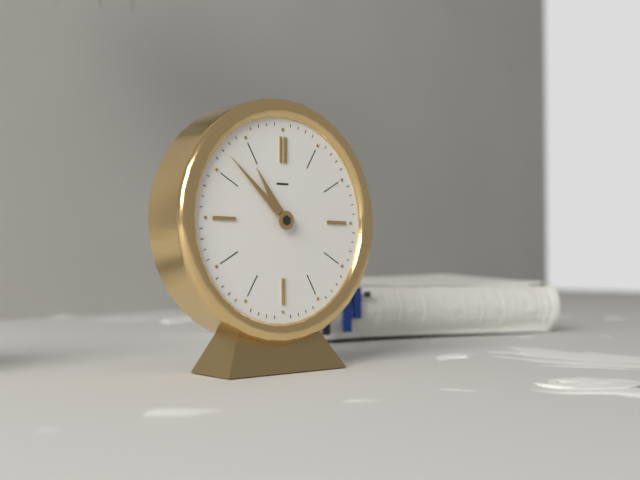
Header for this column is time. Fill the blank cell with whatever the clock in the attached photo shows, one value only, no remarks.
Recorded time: 10:52
